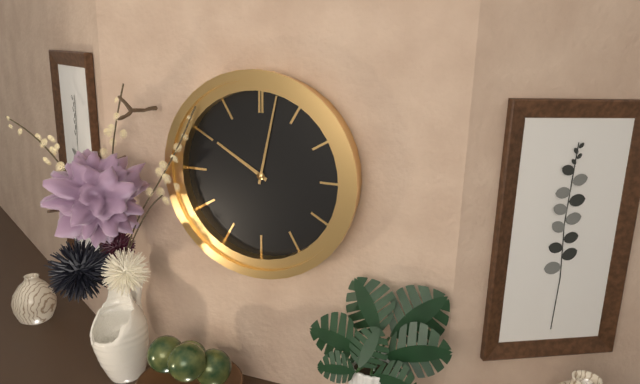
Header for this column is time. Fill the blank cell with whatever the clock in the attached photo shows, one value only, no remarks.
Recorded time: 10:02
